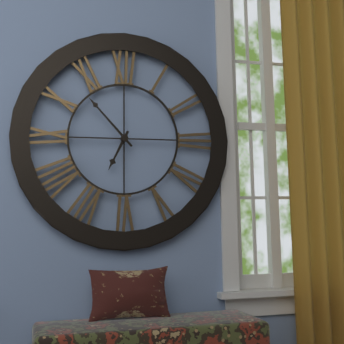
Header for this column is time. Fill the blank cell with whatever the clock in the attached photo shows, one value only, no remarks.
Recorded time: 6:53
